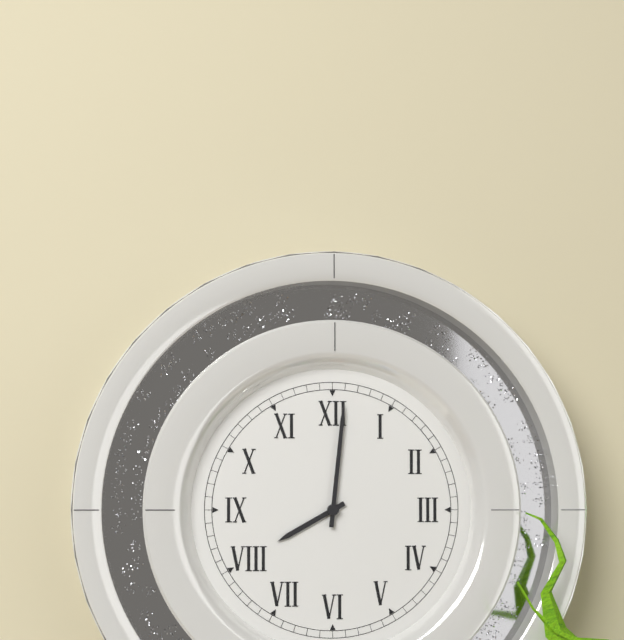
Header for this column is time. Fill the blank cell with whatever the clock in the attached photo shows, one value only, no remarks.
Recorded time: 8:01
